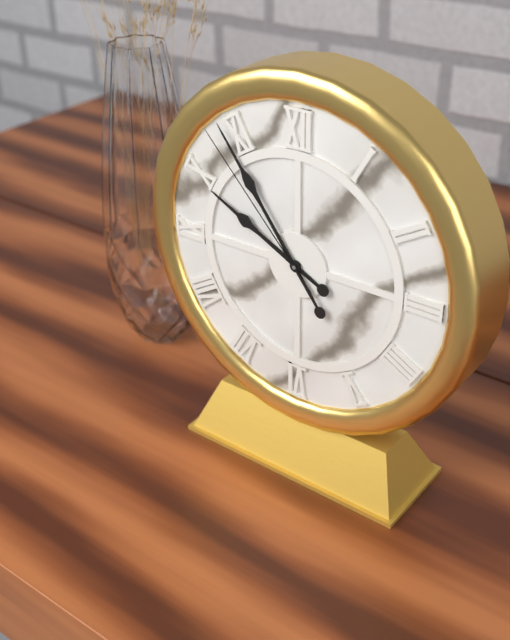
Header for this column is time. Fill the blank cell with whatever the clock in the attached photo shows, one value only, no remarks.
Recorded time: 9:54:53
